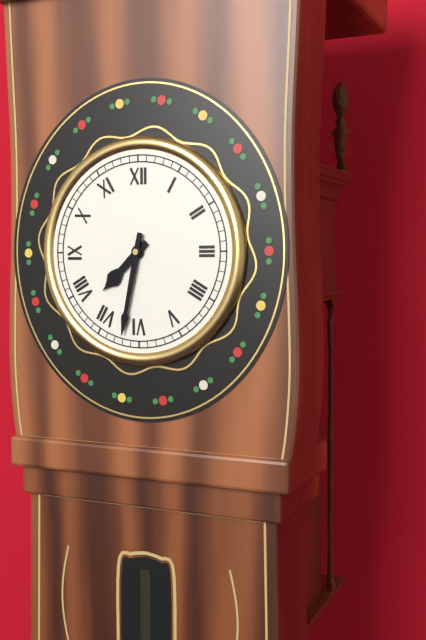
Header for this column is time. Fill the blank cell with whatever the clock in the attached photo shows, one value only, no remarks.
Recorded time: 7:32
